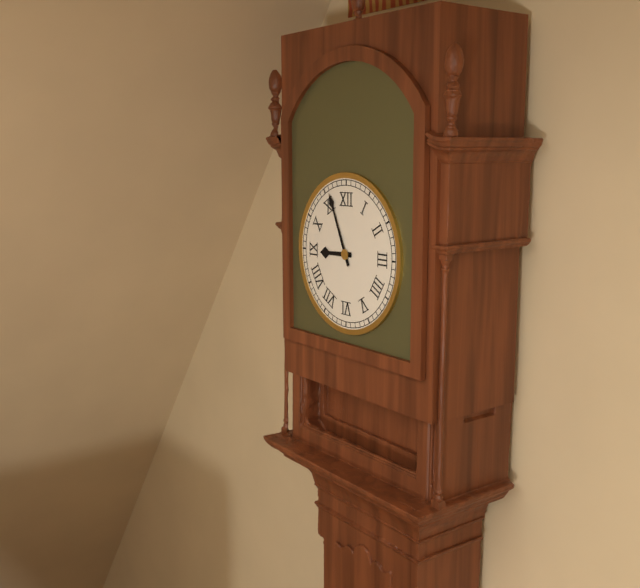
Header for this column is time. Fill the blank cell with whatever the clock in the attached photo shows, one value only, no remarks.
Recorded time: 8:56
